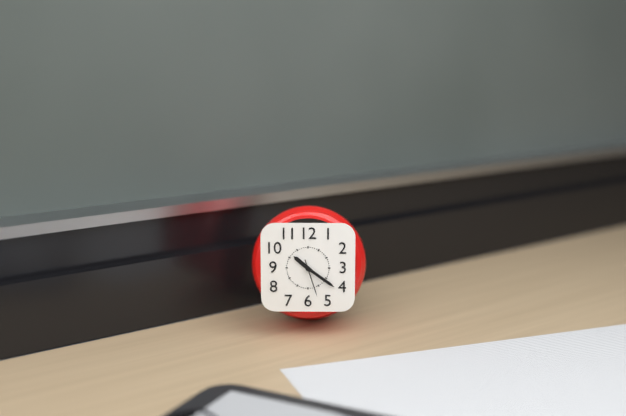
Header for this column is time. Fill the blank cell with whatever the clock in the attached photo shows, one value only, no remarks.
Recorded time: 10:21
